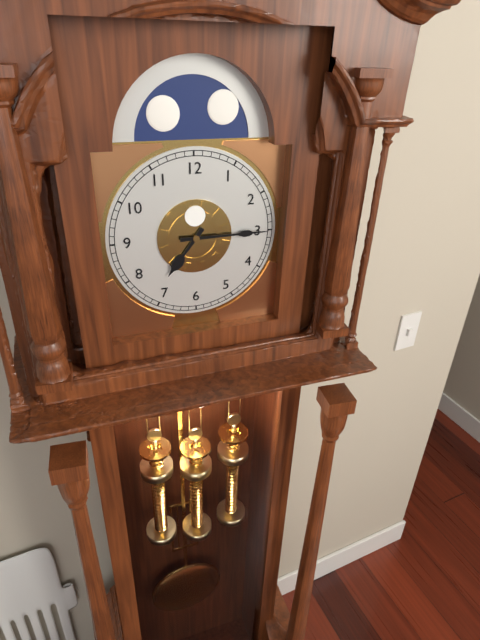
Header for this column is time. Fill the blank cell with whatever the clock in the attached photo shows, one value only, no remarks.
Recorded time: 7:15
